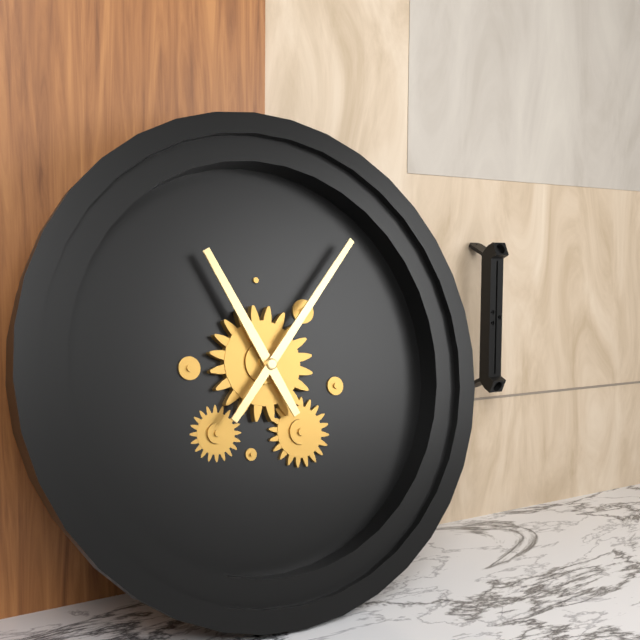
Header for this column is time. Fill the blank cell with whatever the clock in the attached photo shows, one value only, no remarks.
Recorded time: 11:07
